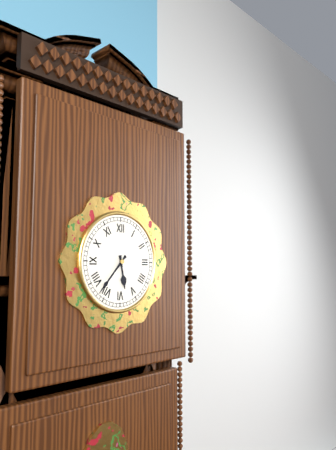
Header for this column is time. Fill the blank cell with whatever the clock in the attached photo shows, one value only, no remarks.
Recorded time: 5:37
